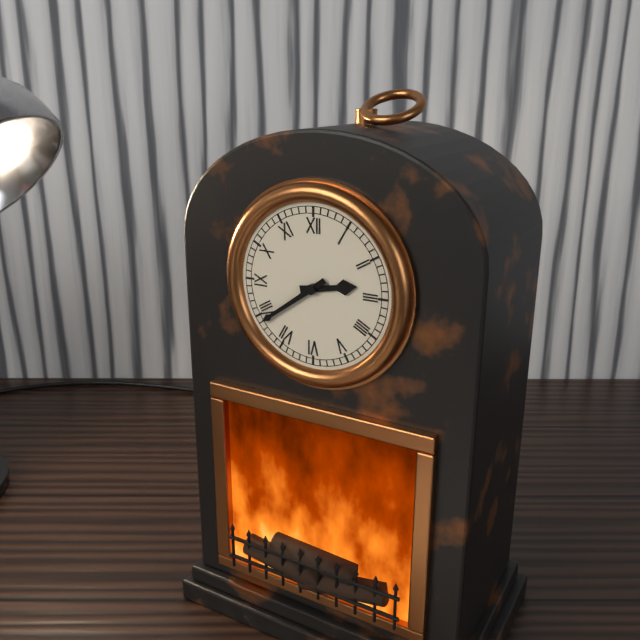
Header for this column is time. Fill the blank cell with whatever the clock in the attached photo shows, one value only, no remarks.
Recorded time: 2:39
